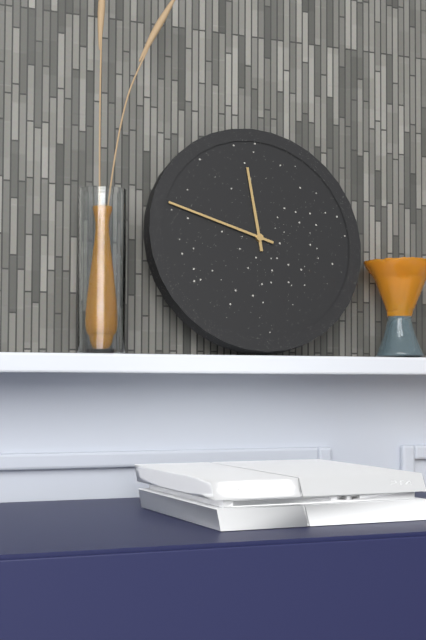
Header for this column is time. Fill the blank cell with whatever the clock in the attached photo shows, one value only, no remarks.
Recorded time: 11:48
